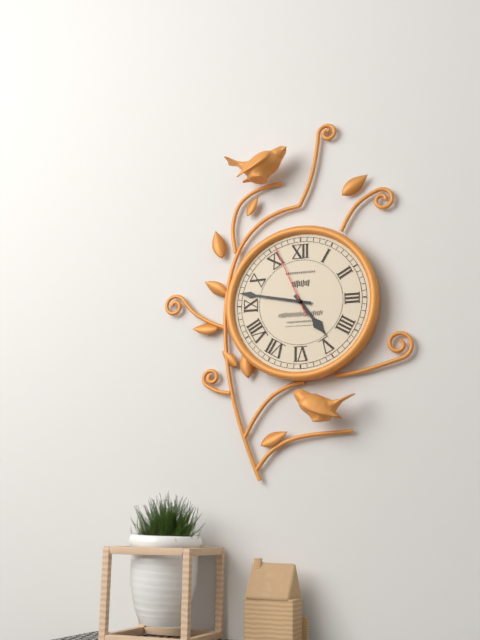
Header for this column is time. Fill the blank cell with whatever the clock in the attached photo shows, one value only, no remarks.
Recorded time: 4:47:56
